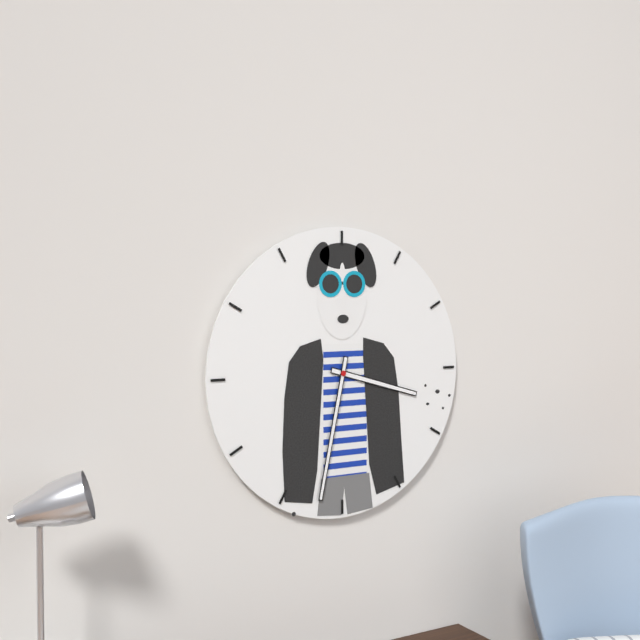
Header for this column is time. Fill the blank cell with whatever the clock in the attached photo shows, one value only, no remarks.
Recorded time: 3:32
